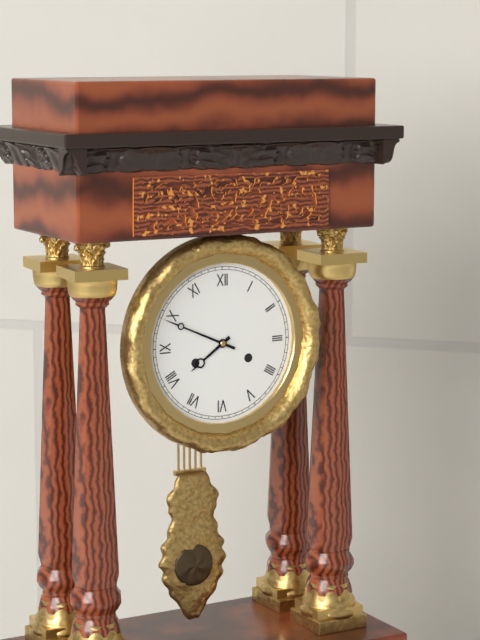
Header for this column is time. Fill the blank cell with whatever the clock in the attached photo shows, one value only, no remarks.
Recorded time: 7:49
